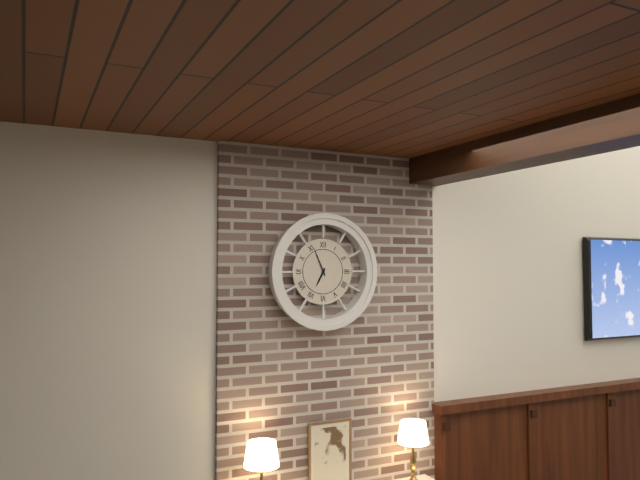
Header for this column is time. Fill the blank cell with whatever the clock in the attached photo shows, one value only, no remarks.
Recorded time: 6:56
